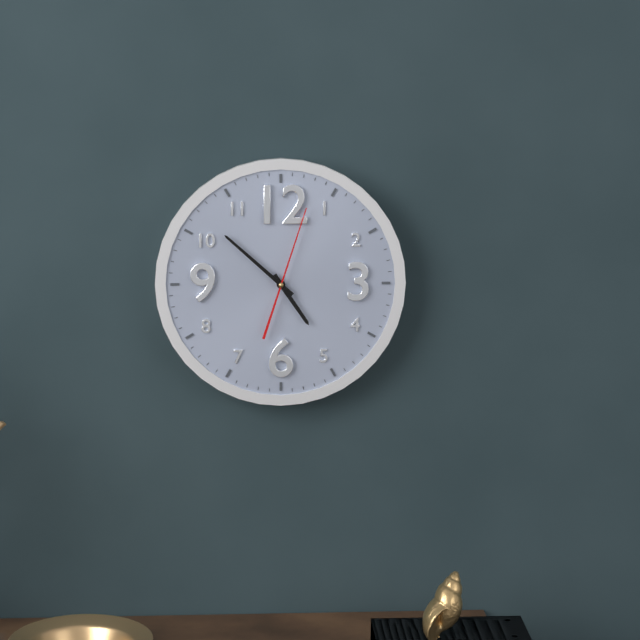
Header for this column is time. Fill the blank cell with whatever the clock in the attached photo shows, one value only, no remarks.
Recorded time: 4:52:03
